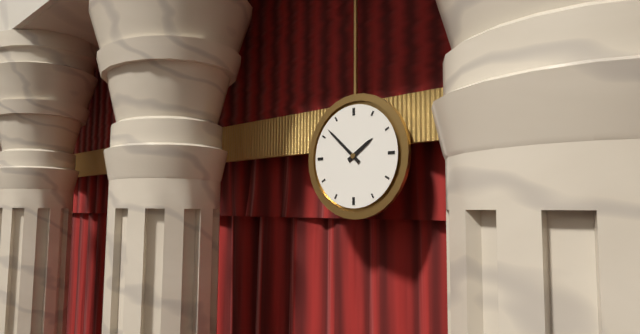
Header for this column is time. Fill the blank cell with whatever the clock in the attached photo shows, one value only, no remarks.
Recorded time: 1:52
